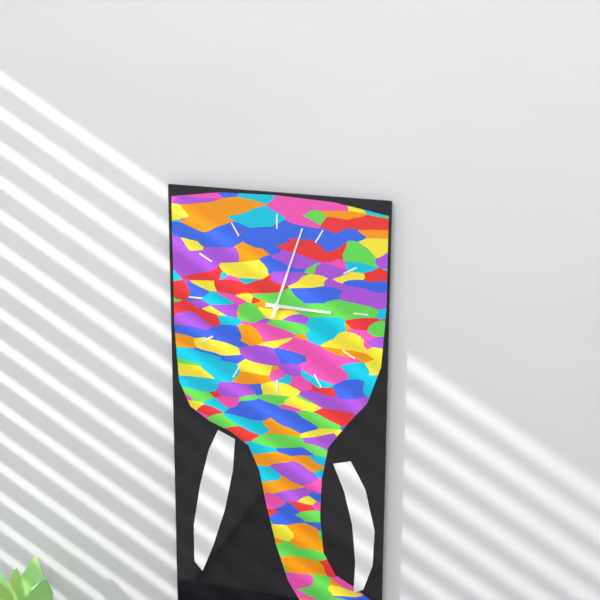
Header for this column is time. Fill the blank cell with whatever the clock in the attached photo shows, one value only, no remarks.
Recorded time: 3:03
